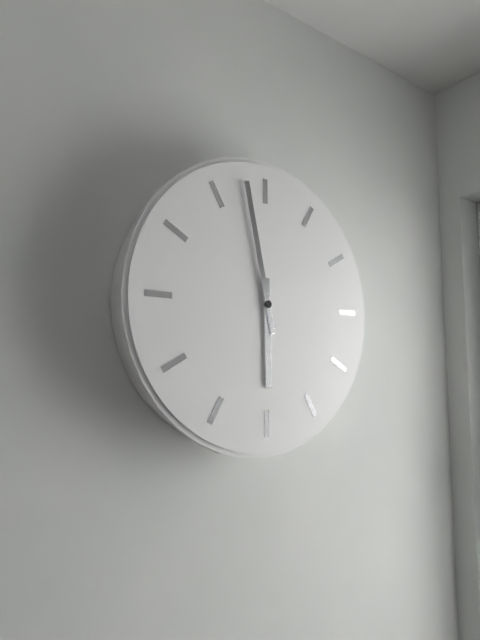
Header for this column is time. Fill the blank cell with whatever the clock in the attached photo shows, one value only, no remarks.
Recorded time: 5:58
